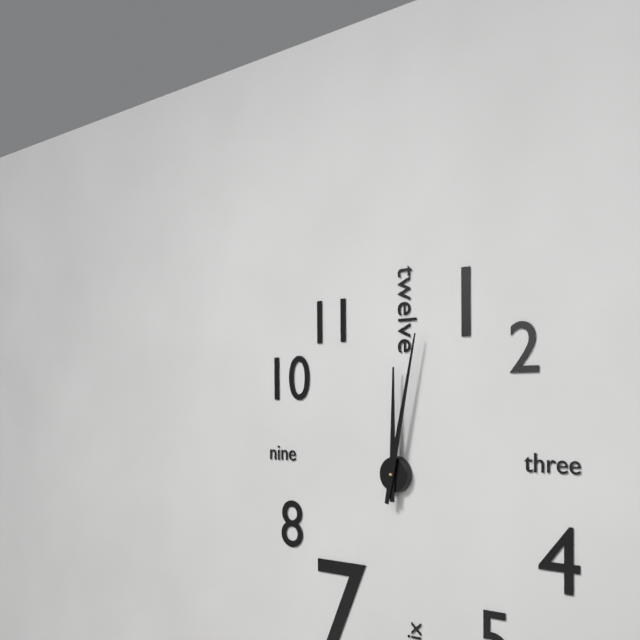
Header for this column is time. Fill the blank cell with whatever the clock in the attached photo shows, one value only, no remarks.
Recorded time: 12:02
